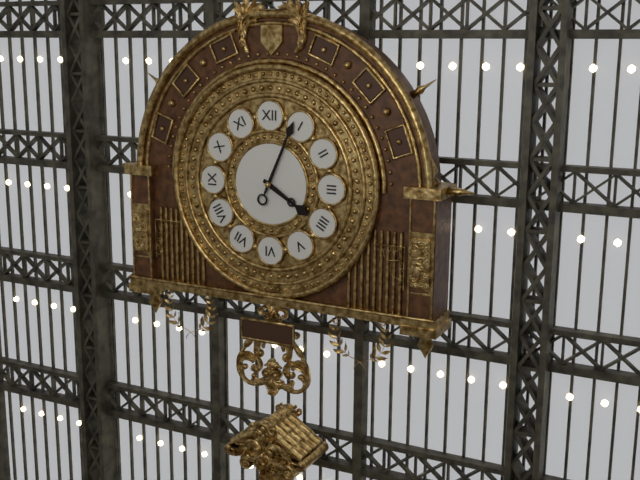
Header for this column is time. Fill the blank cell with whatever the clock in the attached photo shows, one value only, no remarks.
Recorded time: 4:04
